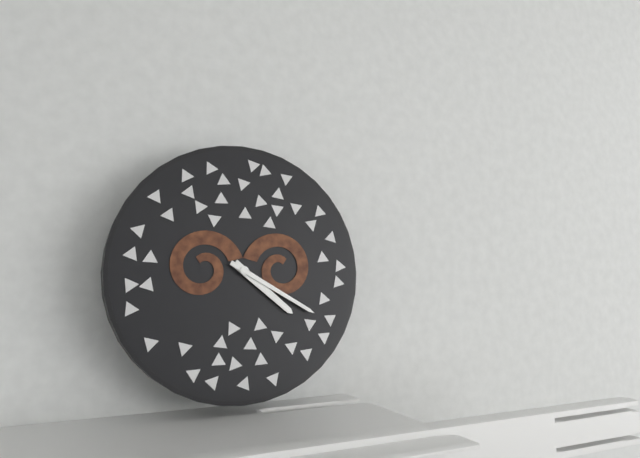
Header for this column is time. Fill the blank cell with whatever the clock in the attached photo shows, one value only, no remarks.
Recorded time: 4:20
